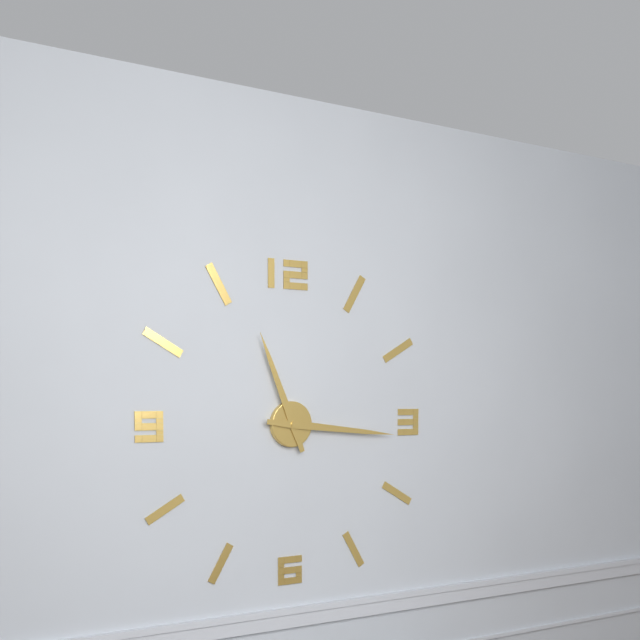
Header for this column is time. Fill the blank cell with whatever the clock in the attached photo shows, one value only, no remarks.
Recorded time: 11:16
